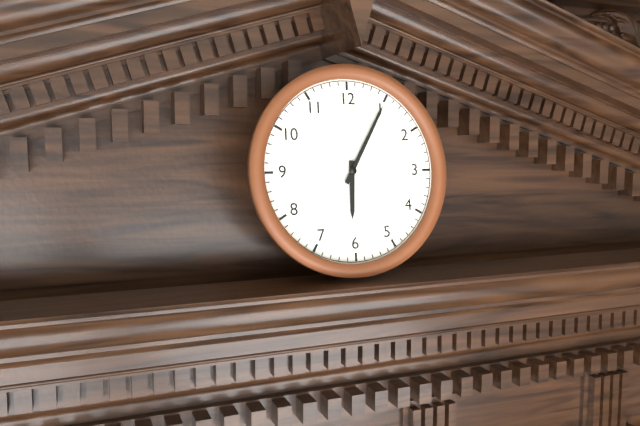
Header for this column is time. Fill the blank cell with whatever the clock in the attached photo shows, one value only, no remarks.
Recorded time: 6:05
